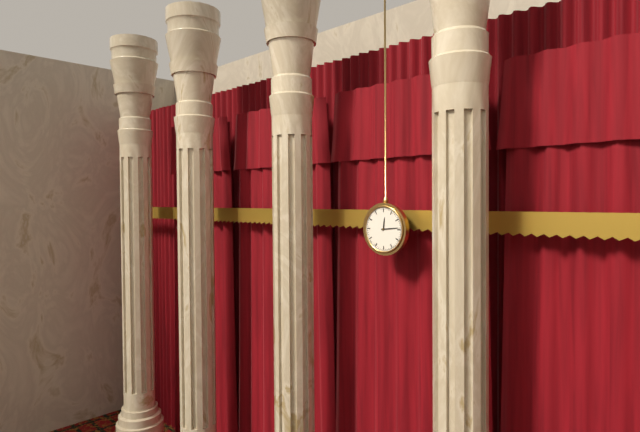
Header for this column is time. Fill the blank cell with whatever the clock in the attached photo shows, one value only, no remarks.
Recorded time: 12:14
